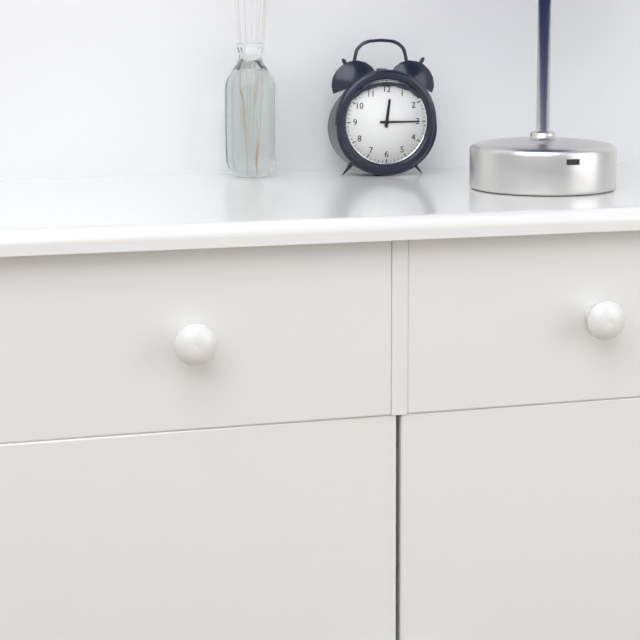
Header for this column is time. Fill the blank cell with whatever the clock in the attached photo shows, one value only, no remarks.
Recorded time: 12:15
